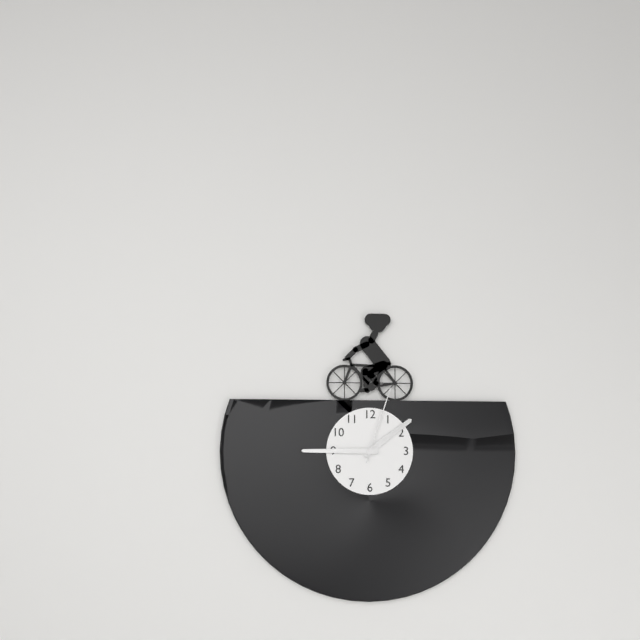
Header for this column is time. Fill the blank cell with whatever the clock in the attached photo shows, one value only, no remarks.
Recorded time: 1:45:03
